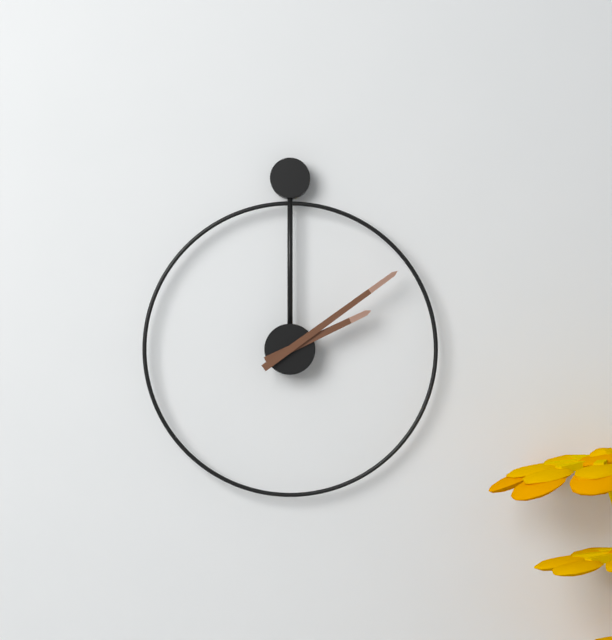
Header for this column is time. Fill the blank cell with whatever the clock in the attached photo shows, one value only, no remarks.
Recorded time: 2:09
